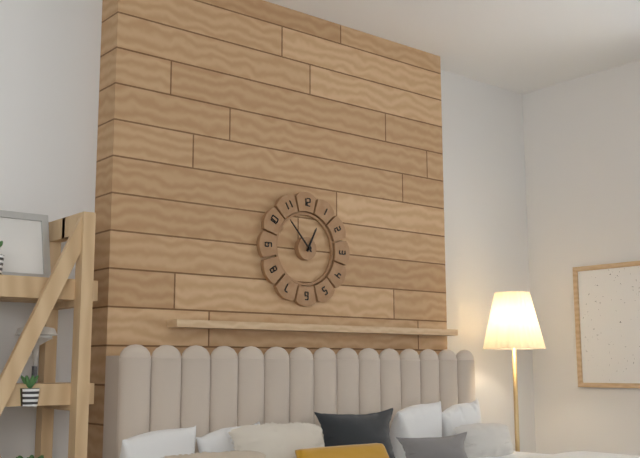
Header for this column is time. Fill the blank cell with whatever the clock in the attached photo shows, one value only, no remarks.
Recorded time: 12:53
